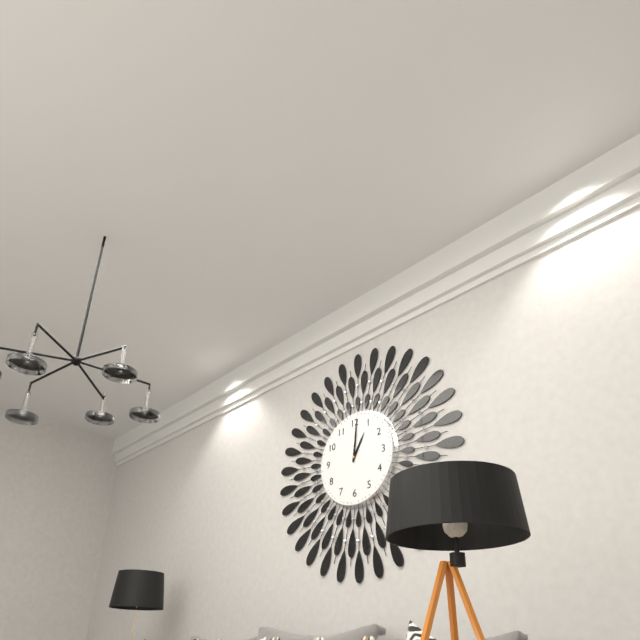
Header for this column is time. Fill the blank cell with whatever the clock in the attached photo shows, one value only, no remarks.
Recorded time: 1:01
